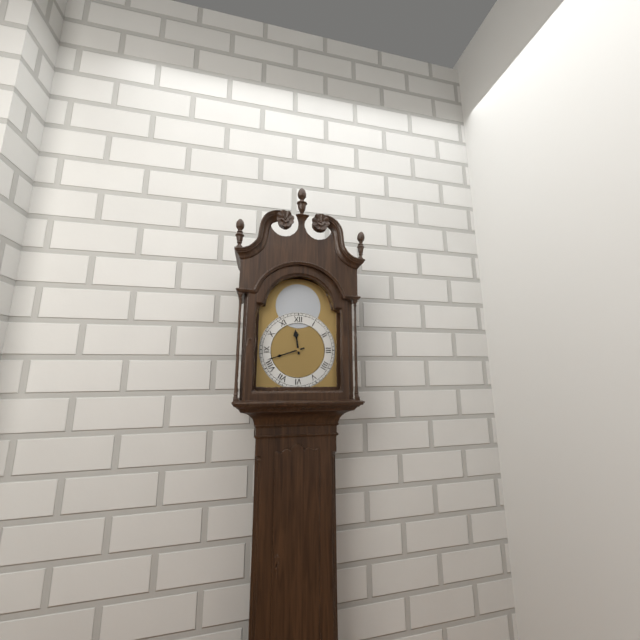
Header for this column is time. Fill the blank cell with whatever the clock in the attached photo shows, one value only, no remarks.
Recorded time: 11:42
